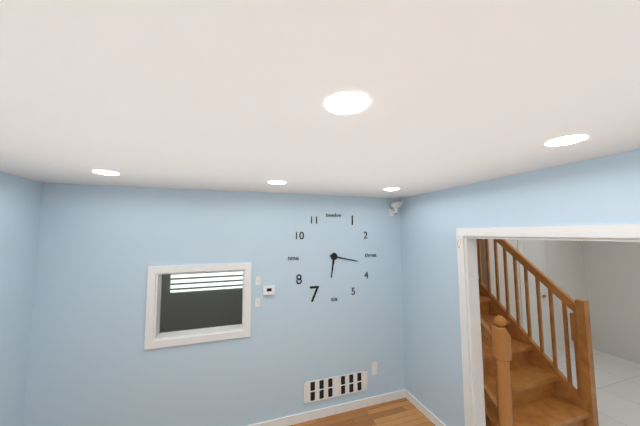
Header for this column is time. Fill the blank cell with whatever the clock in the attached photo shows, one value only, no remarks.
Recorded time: 6:17
